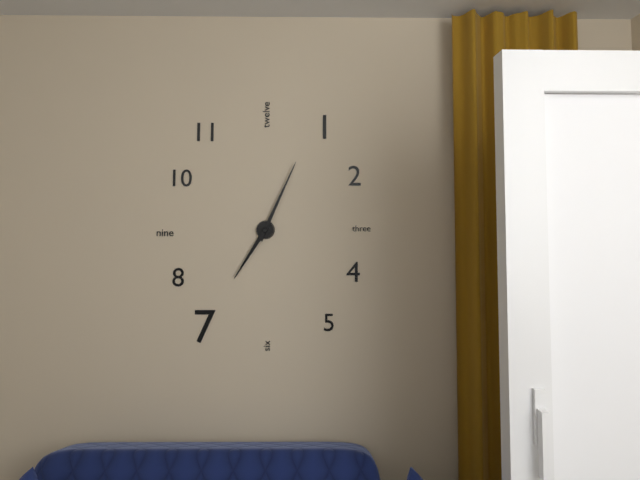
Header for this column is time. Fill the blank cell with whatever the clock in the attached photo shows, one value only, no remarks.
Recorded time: 7:04
